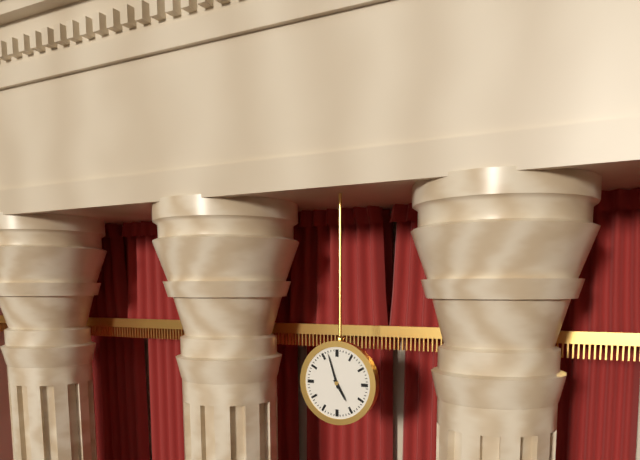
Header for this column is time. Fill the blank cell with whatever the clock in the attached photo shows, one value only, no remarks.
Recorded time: 4:57
